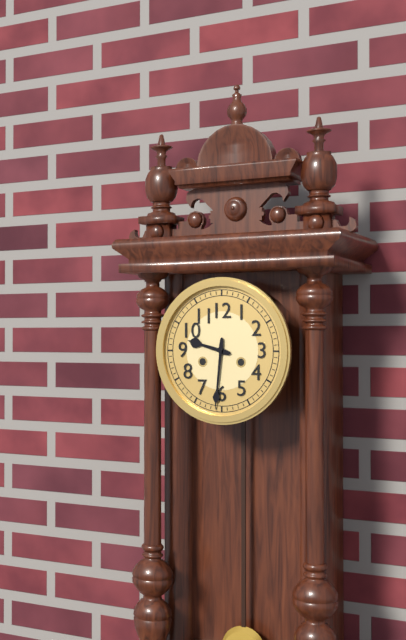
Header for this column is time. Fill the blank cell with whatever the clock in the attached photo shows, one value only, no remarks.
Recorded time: 9:31
